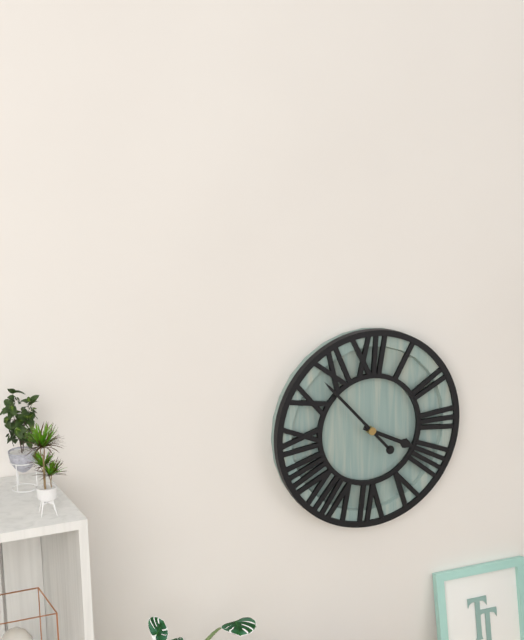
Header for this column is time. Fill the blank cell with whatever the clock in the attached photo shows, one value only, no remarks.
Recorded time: 3:53
